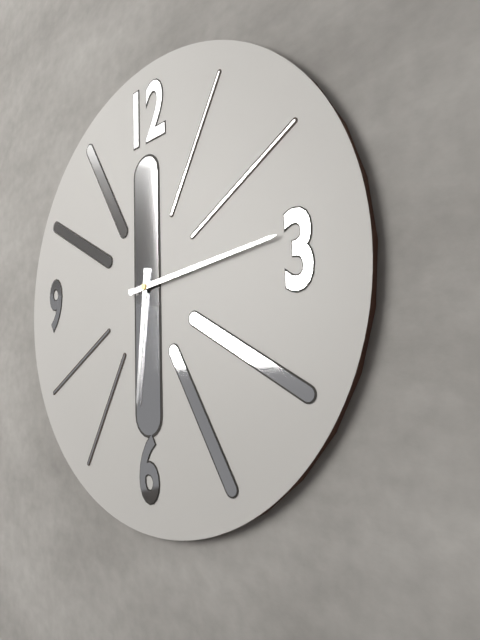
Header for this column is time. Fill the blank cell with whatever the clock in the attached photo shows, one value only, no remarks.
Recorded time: 6:14
